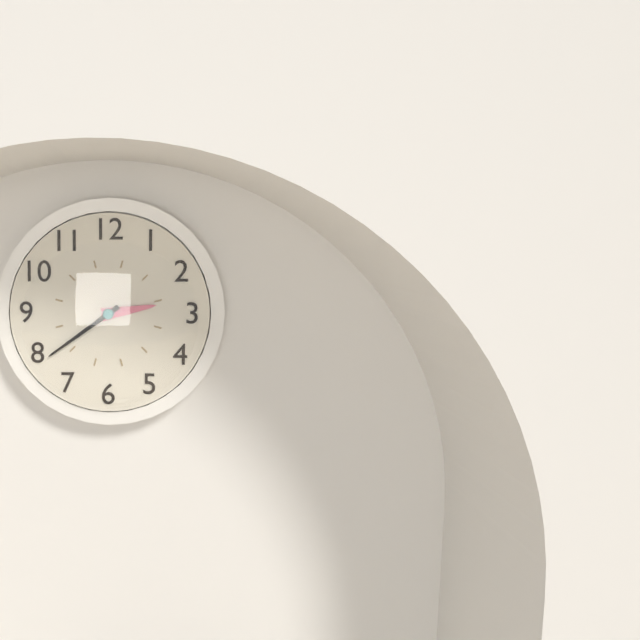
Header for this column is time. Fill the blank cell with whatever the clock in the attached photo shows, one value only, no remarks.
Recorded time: 2:39
